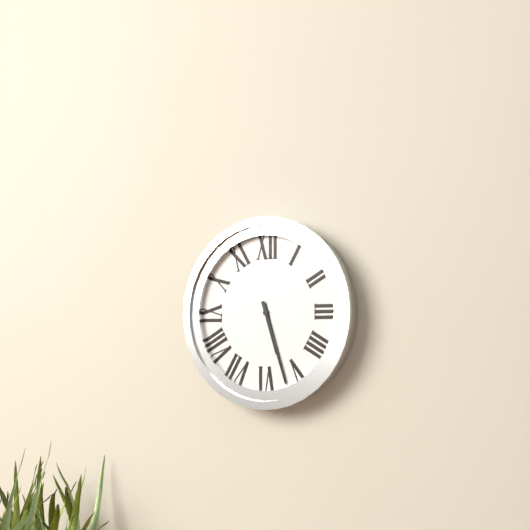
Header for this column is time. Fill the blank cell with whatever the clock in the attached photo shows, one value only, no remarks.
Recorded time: 5:27
